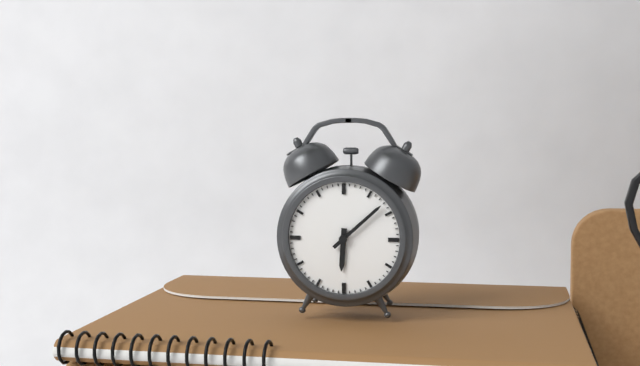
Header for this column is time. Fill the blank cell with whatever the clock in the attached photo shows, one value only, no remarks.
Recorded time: 6:08
